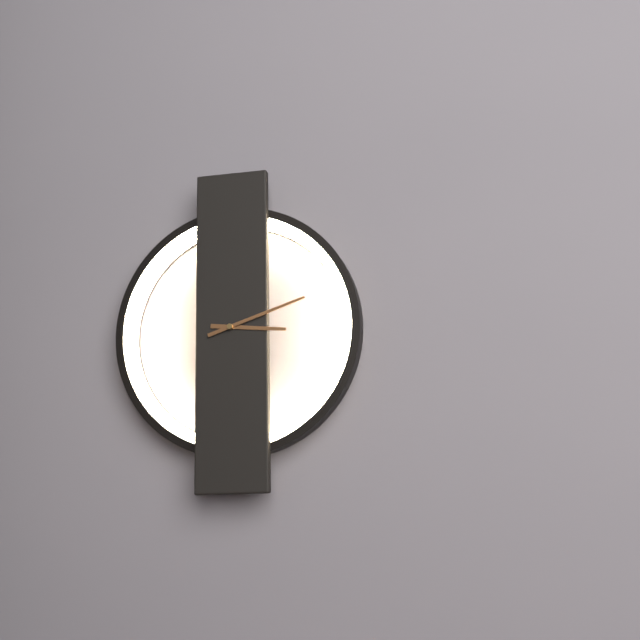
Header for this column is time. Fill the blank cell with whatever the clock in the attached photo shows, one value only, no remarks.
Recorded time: 3:12
